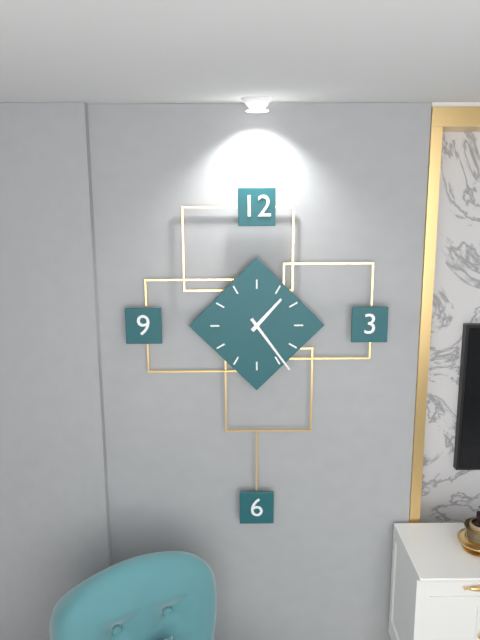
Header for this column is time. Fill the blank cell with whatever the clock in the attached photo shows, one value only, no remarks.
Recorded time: 1:24
